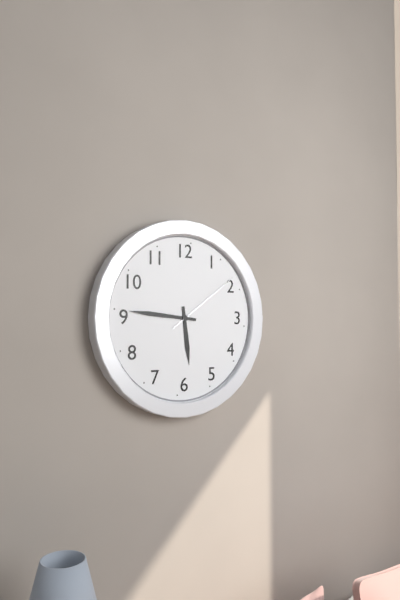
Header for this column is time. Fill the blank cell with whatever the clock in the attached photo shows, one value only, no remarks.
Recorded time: 5:46:09
